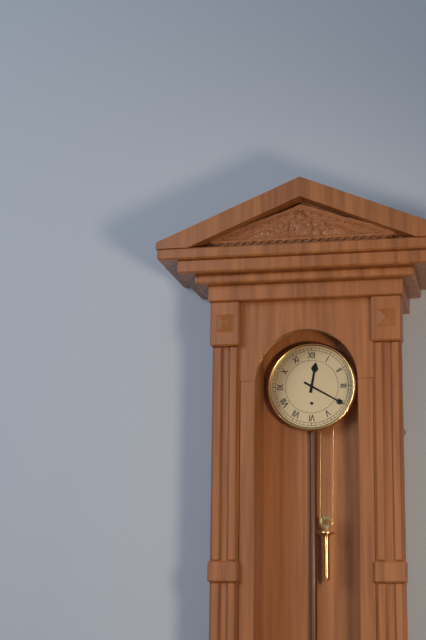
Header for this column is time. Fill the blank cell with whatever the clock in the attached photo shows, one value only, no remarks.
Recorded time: 12:20
